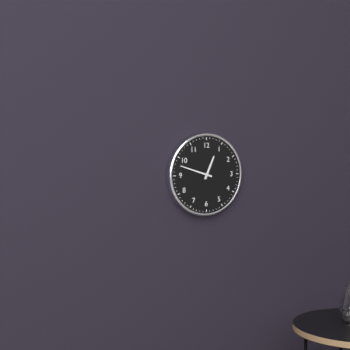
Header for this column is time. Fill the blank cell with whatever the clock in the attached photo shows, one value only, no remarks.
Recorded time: 12:48
